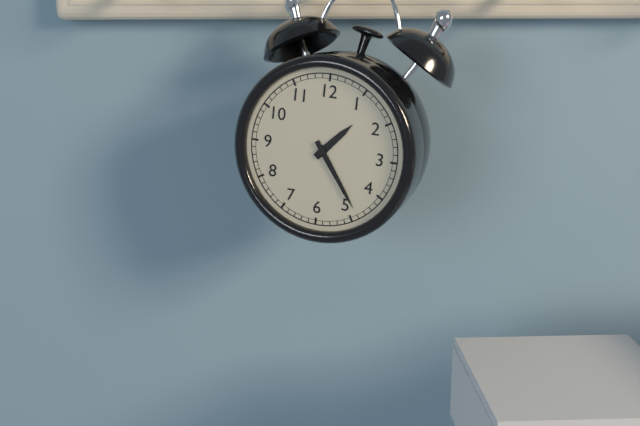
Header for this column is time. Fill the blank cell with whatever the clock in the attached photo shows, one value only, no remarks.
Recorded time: 1:24
